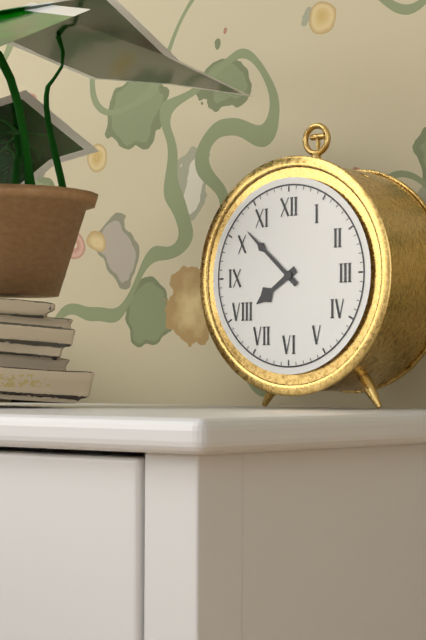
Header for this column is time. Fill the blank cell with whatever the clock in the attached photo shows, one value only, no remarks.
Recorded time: 7:52
